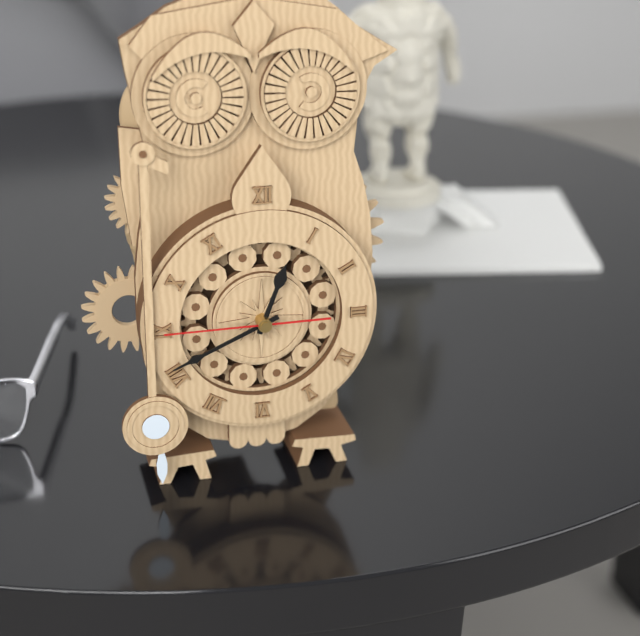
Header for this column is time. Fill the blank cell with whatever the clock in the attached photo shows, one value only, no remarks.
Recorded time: 12:41:45
